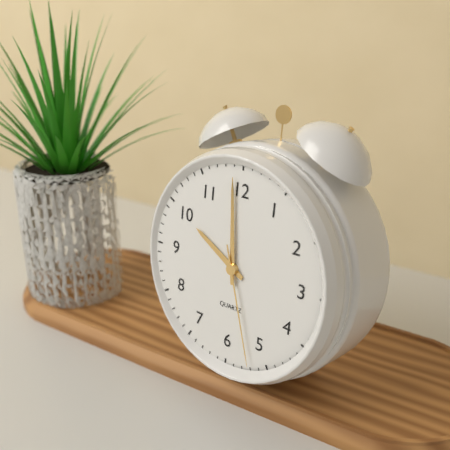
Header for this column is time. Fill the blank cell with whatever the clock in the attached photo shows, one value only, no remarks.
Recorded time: 9:59:27
